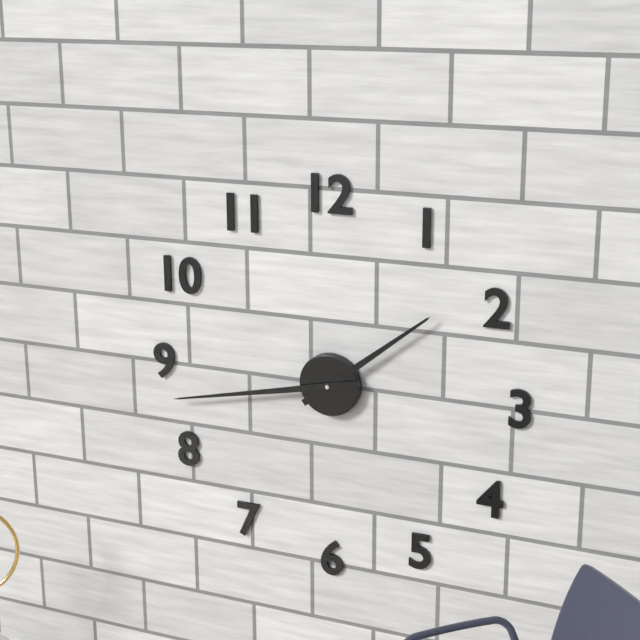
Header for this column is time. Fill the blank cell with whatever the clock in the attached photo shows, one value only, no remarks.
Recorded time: 1:43
